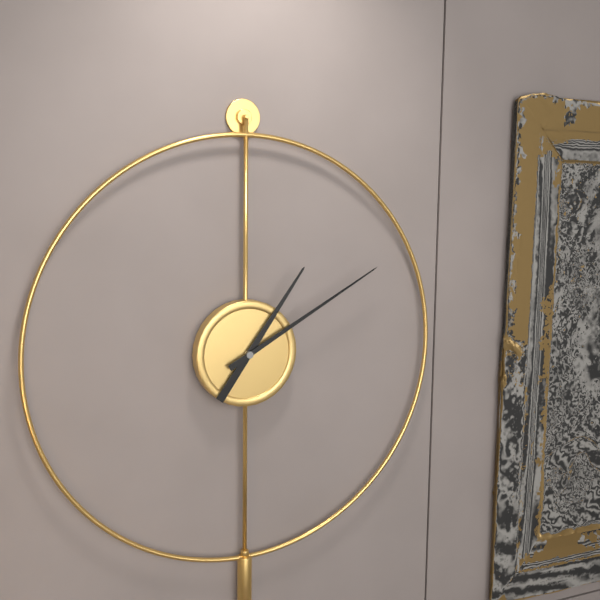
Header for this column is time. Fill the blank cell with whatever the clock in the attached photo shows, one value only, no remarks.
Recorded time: 1:10
